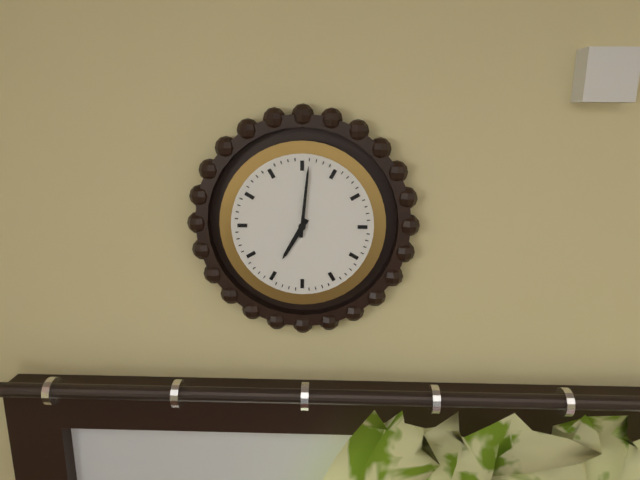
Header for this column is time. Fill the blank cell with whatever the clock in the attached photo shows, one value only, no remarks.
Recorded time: 7:01
